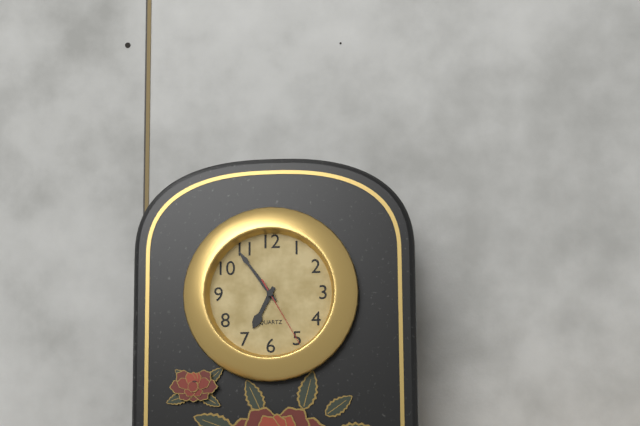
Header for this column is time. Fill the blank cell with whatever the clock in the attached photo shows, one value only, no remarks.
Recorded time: 6:54:25
